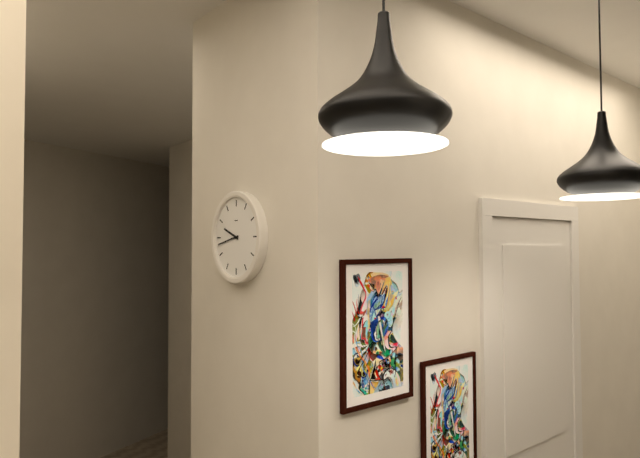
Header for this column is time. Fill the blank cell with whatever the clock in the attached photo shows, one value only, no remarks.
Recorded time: 9:43
